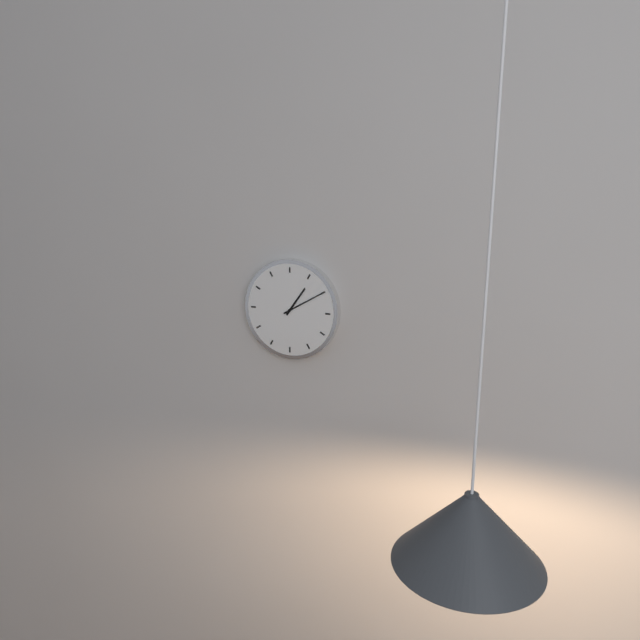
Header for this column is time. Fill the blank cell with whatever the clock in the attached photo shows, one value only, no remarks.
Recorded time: 1:10
